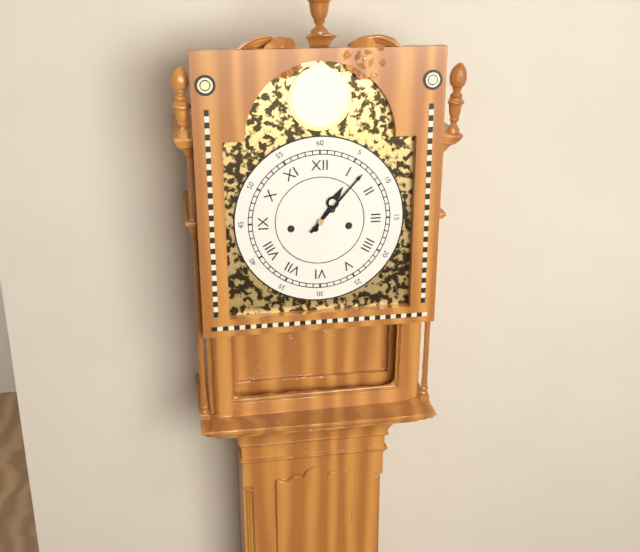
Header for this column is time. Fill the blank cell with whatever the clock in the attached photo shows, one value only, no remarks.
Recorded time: 1:07
